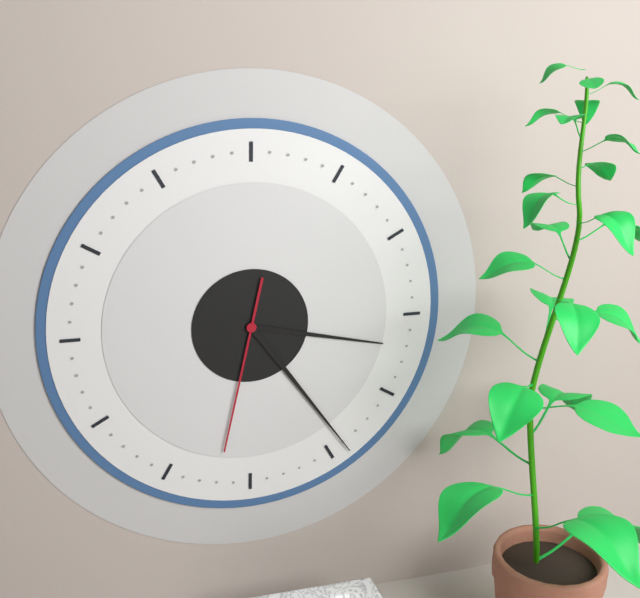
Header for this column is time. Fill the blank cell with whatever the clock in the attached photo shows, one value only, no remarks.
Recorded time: 3:24:32
